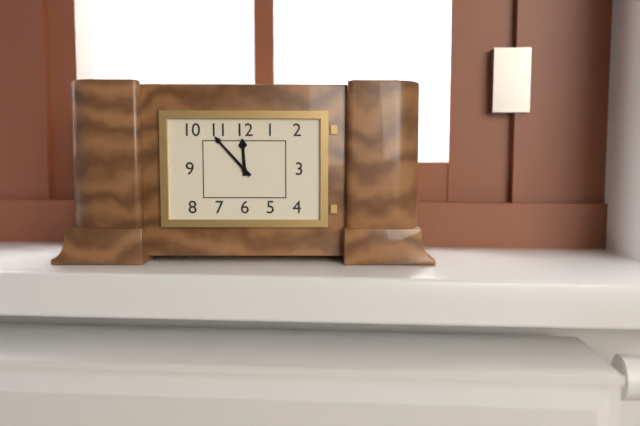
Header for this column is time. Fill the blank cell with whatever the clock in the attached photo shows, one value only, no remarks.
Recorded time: 11:53
